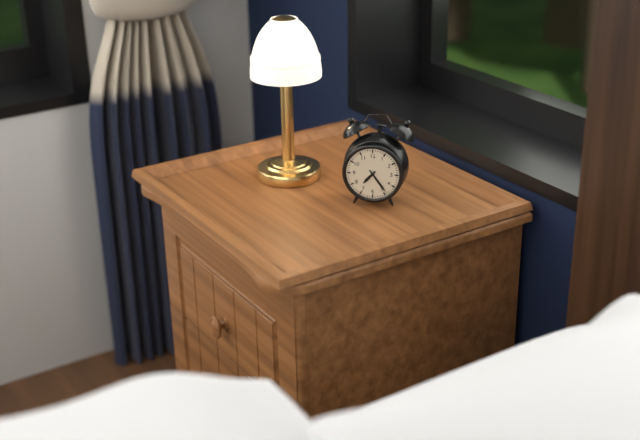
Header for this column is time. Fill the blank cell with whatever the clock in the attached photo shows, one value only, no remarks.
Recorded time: 7:24
